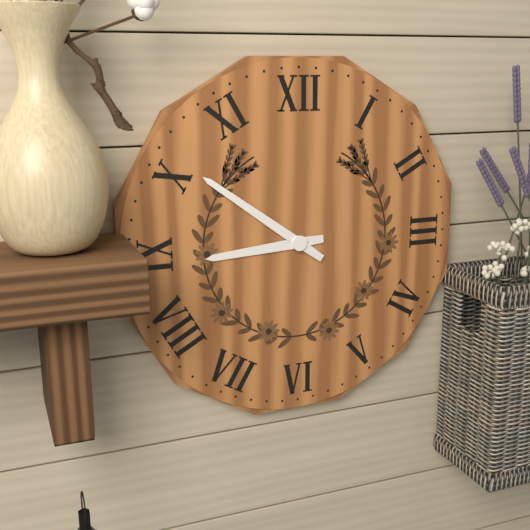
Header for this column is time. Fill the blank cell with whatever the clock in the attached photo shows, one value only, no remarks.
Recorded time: 8:51
